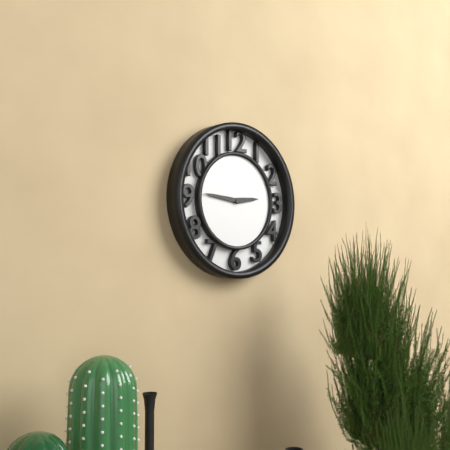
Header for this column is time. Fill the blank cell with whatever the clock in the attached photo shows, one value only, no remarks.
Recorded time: 2:46
